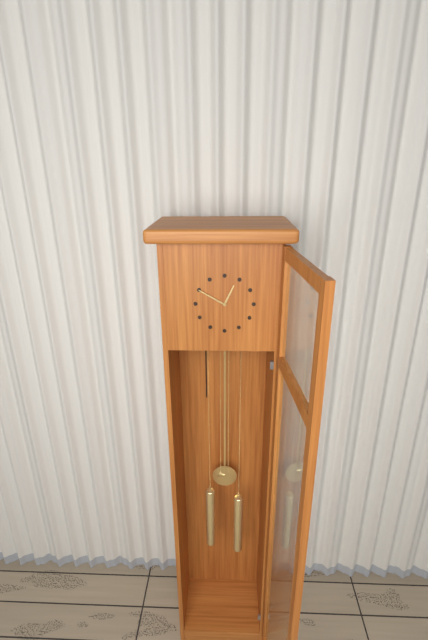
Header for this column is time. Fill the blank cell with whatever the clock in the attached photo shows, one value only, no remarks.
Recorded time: 12:50
